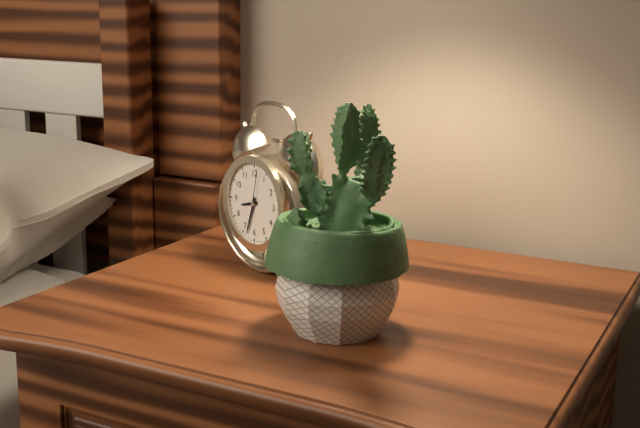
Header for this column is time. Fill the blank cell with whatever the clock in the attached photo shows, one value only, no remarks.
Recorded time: 8:33
